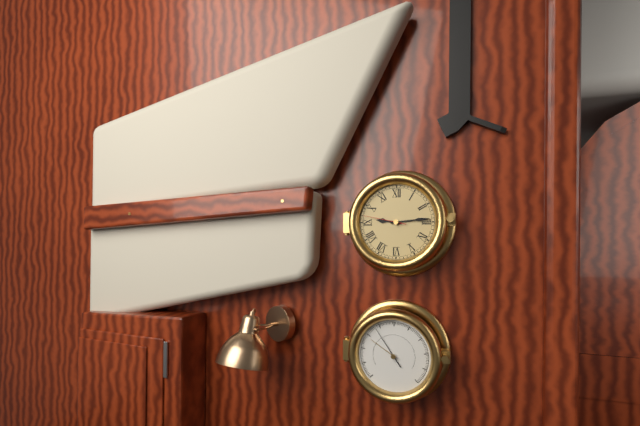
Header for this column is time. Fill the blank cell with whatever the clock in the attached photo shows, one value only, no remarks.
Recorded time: 9:14
